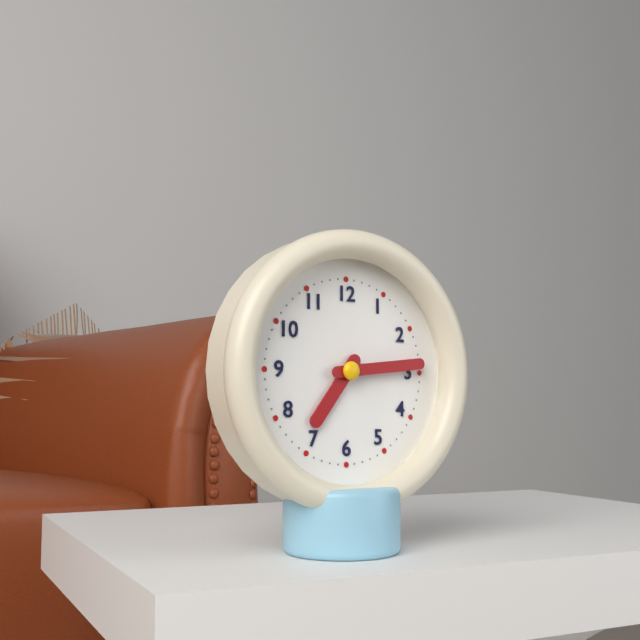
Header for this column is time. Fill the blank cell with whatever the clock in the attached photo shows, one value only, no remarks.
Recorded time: 7:14
